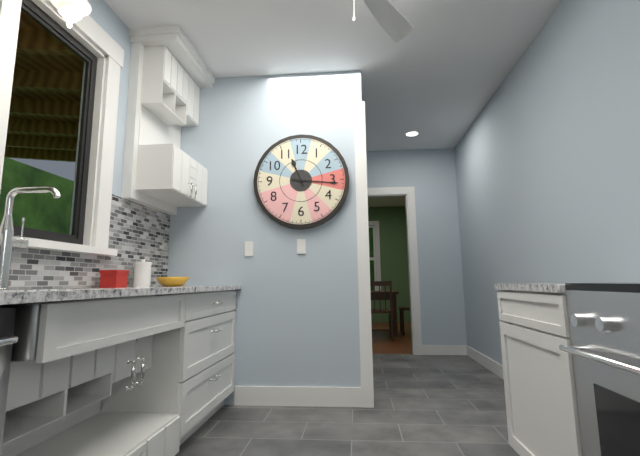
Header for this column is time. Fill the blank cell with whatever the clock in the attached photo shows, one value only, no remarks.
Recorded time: 11:16
